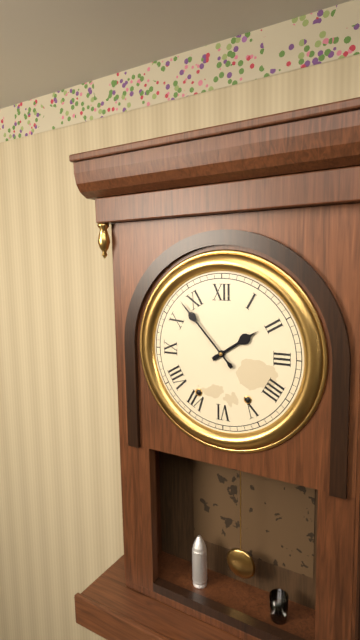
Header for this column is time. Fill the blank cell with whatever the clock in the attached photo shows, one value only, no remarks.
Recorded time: 1:53
